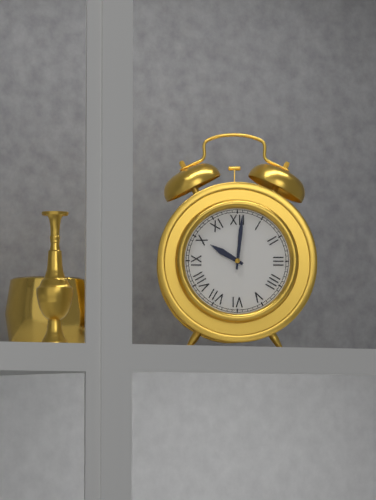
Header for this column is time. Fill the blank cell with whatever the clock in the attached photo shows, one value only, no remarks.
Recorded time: 10:01
